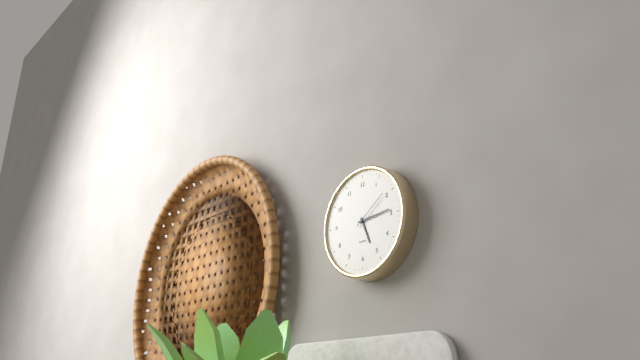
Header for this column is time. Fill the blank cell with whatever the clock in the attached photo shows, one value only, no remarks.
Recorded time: 5:14
